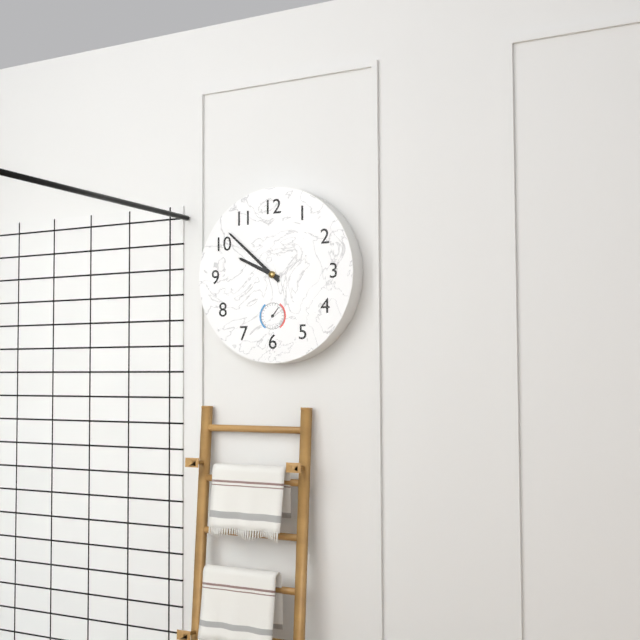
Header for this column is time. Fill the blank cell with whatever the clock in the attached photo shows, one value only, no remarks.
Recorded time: 9:52
